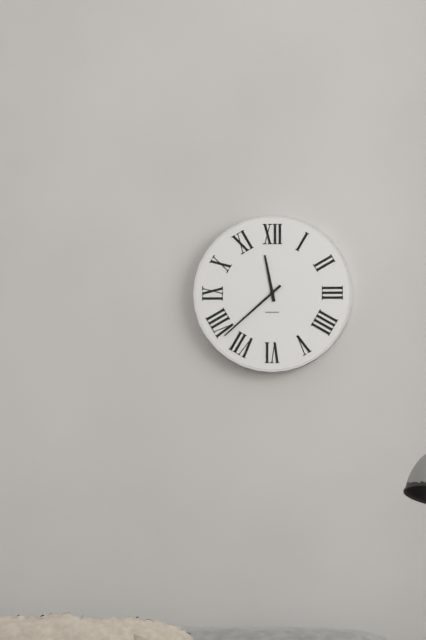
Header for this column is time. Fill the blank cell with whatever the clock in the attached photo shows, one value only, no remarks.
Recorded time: 11:38
